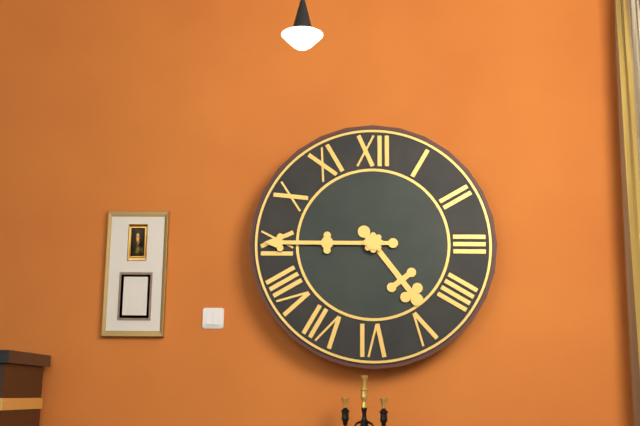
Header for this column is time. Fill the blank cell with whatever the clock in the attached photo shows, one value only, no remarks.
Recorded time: 4:45
